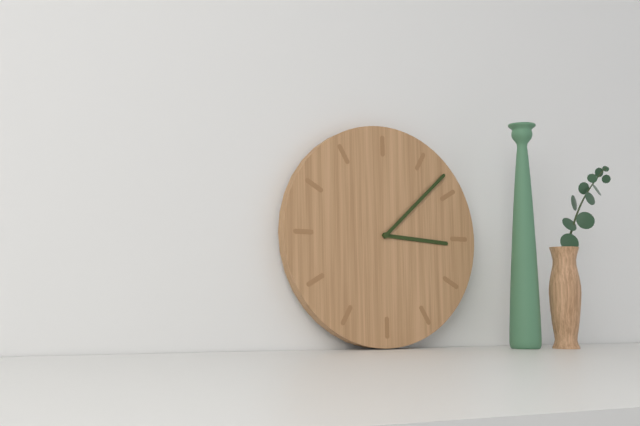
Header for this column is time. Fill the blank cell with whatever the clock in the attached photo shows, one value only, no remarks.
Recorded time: 3:08
